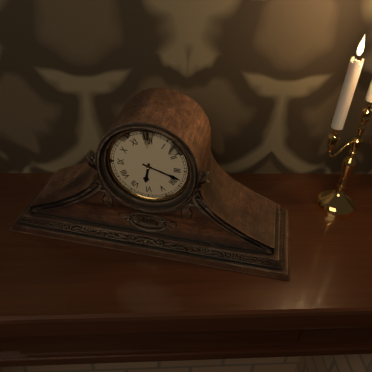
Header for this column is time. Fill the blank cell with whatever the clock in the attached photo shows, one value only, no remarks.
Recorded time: 6:18
